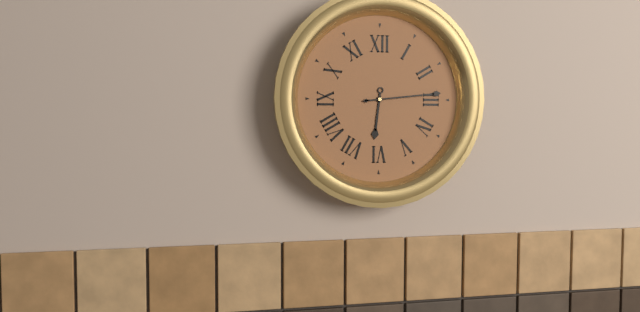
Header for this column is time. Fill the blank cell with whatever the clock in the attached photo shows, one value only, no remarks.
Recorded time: 6:14
